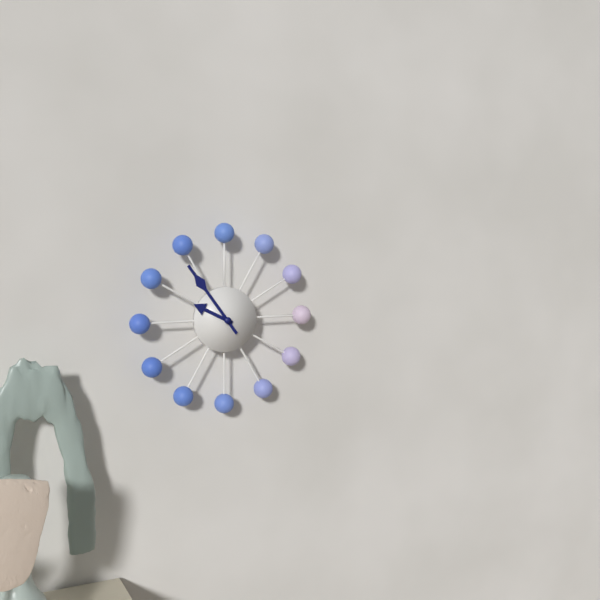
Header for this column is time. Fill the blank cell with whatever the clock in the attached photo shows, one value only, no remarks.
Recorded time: 9:54
